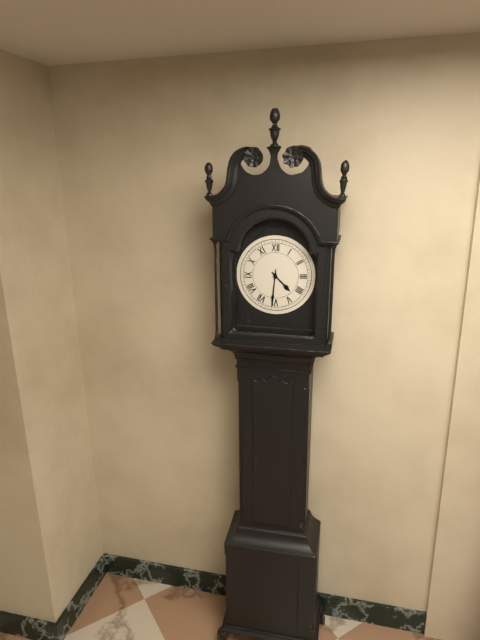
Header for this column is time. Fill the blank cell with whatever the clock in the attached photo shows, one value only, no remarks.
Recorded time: 4:31
